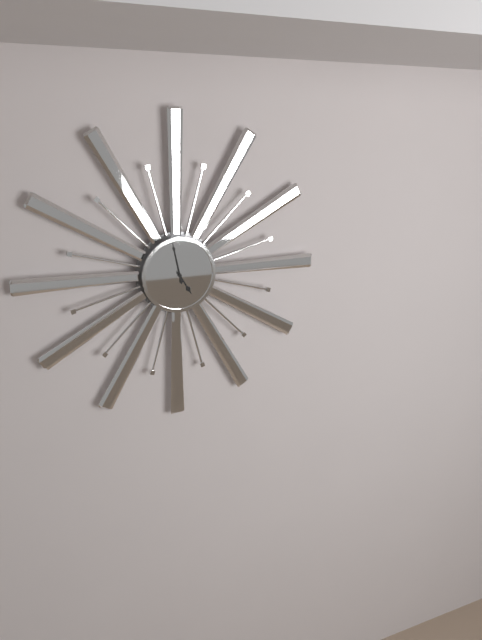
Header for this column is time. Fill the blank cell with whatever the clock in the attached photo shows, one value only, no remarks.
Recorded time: 4:58
